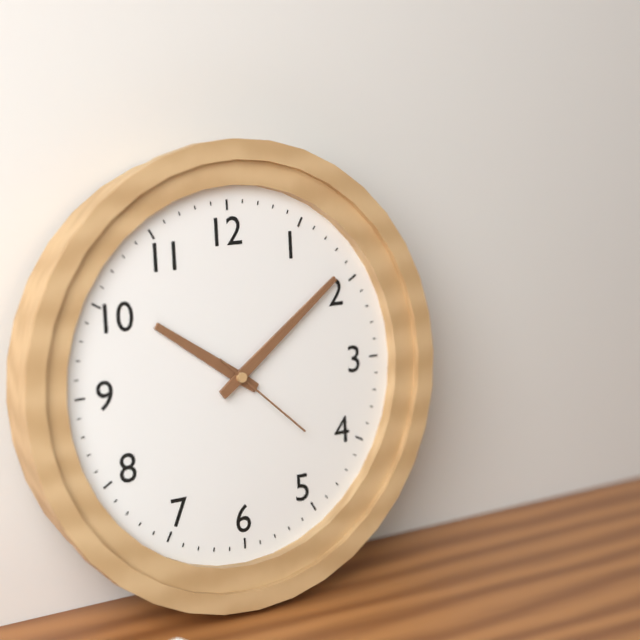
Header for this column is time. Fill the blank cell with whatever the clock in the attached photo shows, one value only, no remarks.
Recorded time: 10:09:22
